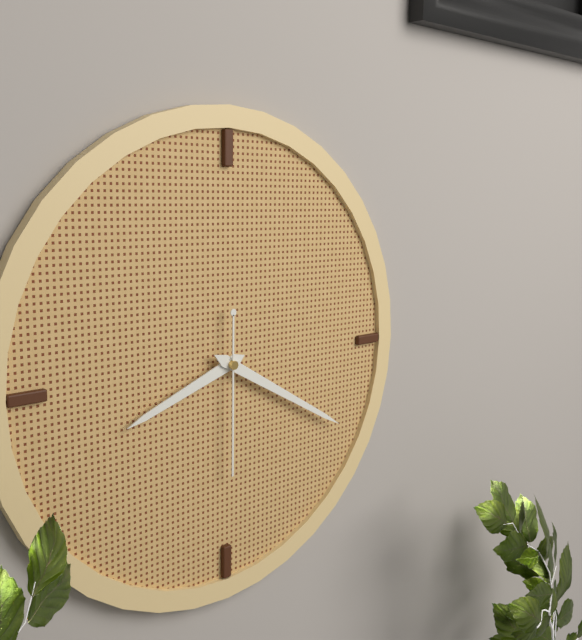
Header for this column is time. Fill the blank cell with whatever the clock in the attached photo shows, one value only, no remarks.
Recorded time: 8:20:30
